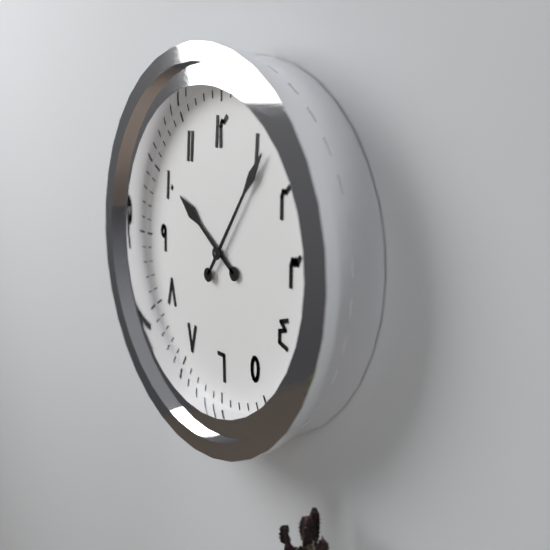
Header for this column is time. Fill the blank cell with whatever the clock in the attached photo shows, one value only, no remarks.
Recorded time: 10:06
